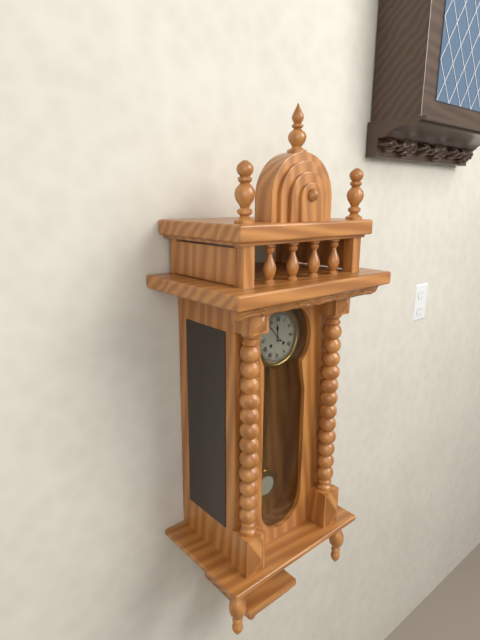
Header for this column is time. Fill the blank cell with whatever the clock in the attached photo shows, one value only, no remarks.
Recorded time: 11:53
